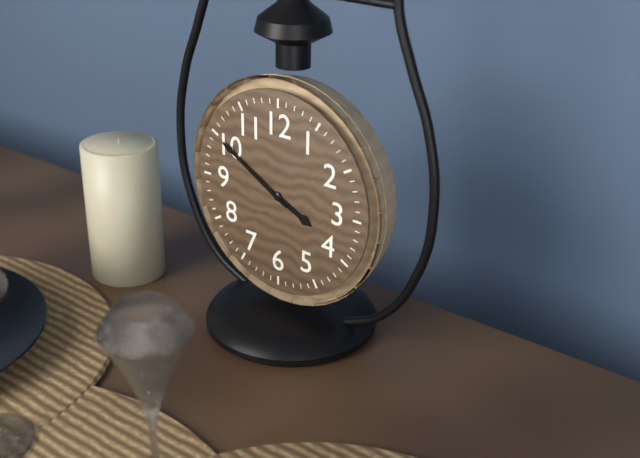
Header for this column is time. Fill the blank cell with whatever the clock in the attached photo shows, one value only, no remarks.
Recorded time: 3:50
